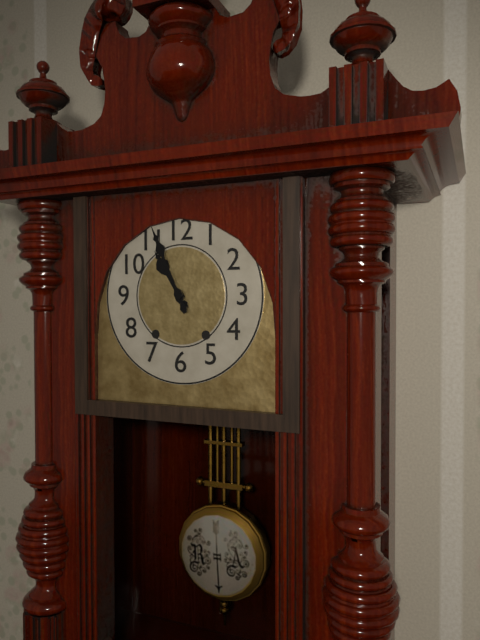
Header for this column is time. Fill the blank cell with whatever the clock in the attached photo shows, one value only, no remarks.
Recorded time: 10:56
